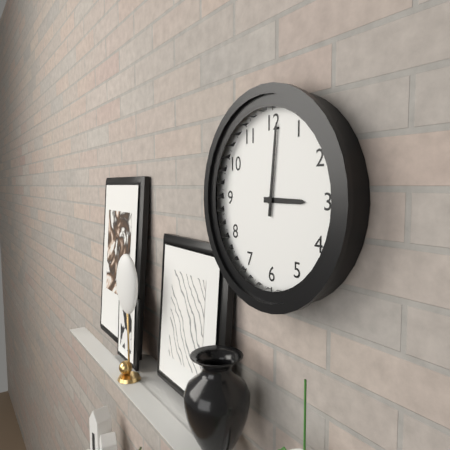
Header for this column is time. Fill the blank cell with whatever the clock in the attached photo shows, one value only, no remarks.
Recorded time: 3:01
